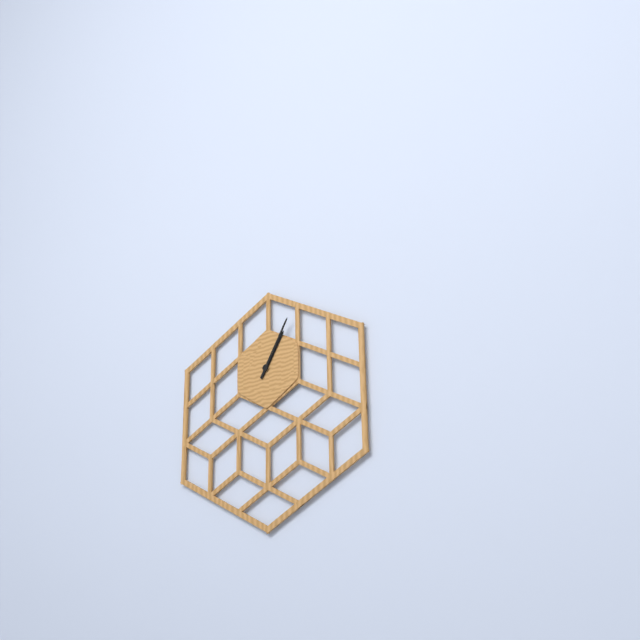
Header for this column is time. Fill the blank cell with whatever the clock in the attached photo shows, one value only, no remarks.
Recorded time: 1:05
